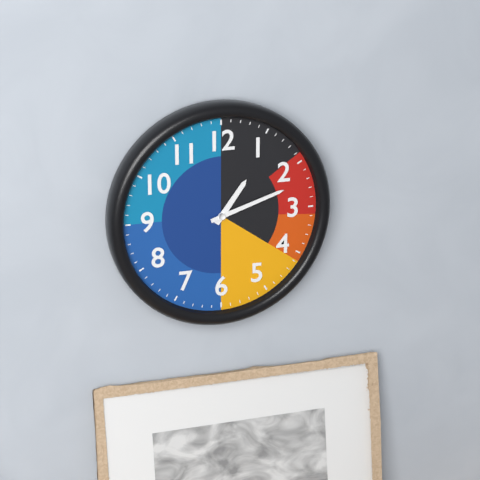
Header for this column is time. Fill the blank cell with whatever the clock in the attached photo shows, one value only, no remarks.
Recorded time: 1:12
